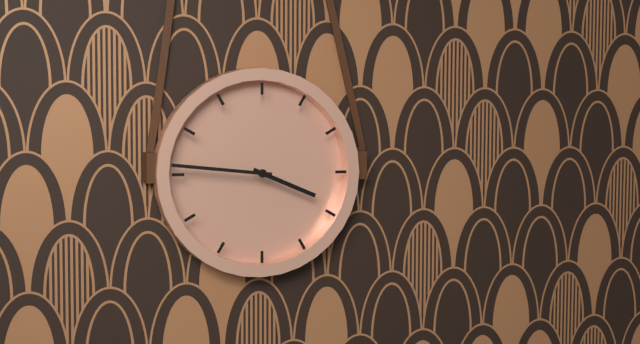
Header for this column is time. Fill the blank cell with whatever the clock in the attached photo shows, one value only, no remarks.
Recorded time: 3:46
